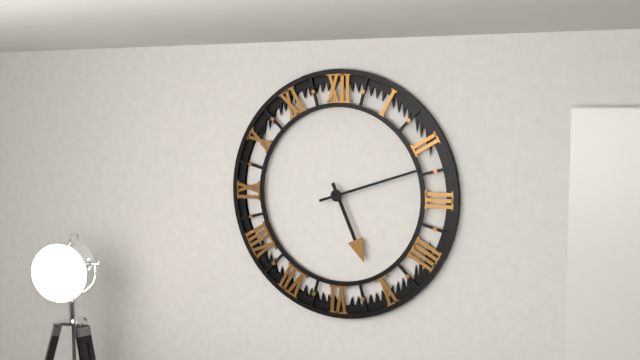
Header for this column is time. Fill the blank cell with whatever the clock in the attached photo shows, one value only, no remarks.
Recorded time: 5:12
